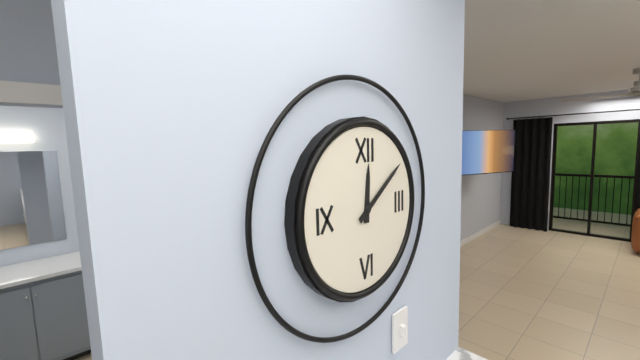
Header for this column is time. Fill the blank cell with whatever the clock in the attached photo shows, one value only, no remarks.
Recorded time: 12:09
